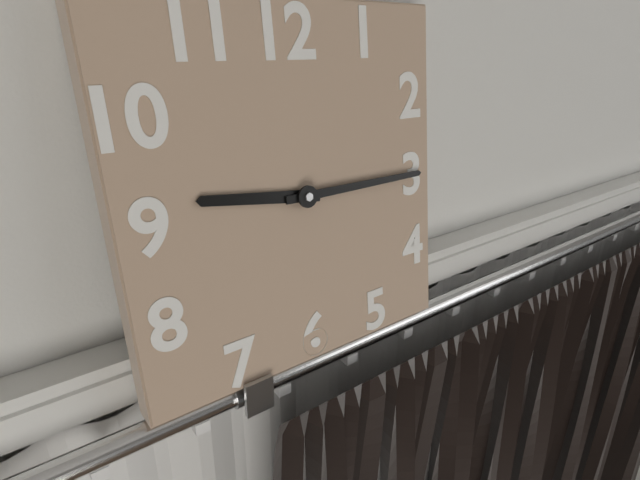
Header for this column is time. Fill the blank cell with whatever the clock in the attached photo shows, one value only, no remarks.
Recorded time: 9:15
